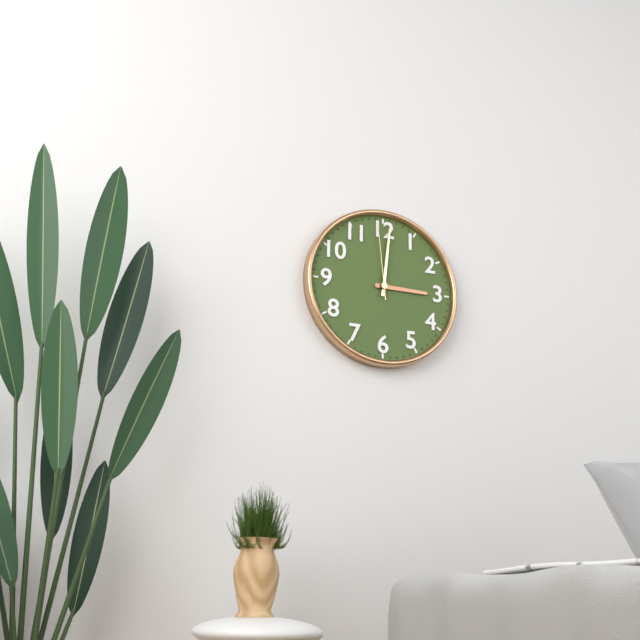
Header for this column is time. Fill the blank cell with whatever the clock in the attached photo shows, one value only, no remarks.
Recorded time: 3:01:59
